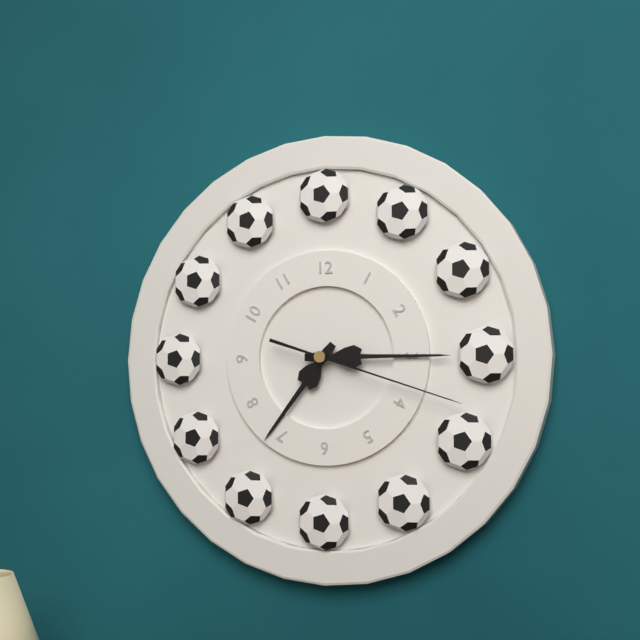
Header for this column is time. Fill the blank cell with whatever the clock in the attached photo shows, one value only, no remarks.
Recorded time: 7:15:18
